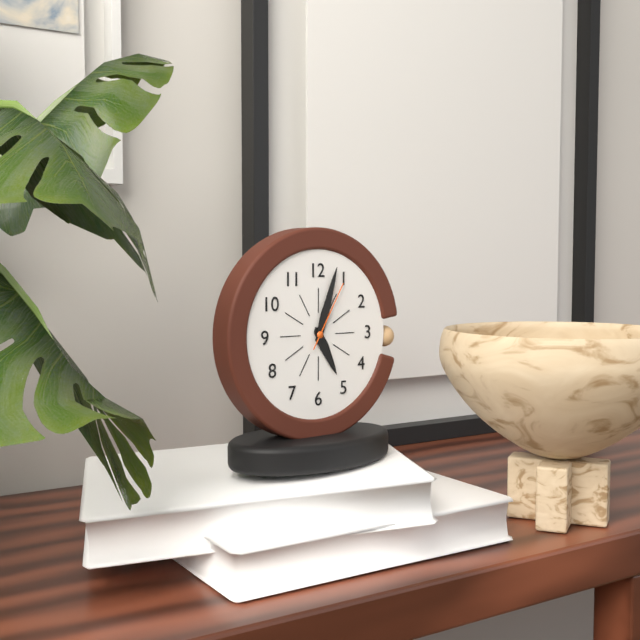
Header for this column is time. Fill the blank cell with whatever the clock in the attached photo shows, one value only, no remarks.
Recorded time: 5:03:05
